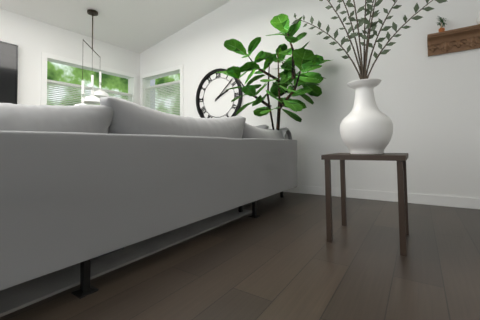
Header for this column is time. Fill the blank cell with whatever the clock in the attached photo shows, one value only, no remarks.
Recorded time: 2:08
